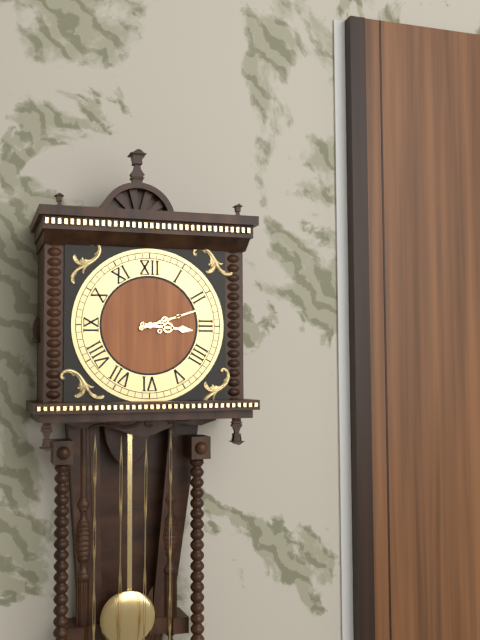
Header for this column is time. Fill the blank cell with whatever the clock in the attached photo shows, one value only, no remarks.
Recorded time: 3:12
